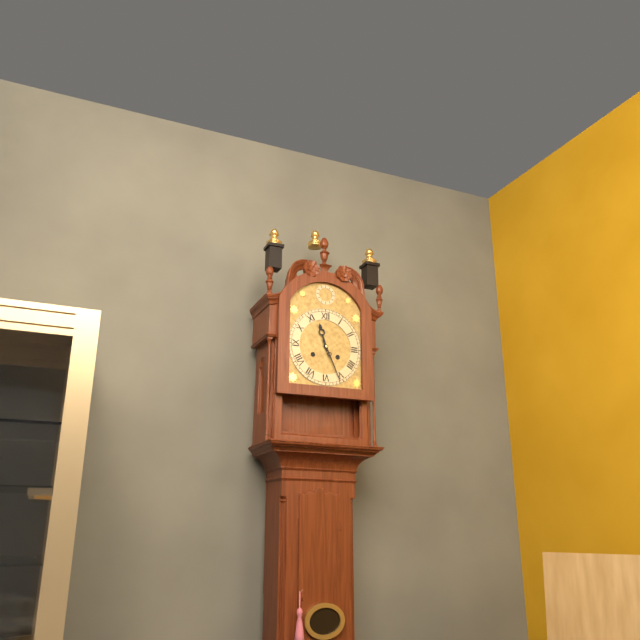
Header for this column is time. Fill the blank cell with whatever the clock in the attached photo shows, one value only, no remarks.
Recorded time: 11:26
